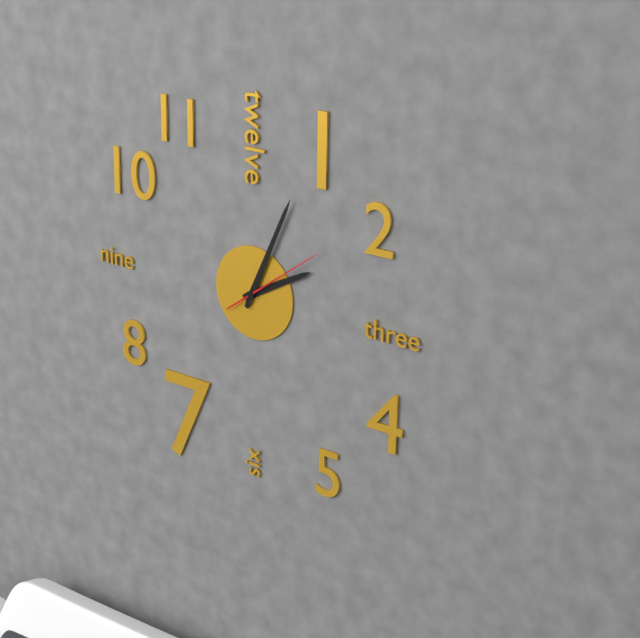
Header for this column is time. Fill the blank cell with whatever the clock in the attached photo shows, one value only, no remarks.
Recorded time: 2:04:09
